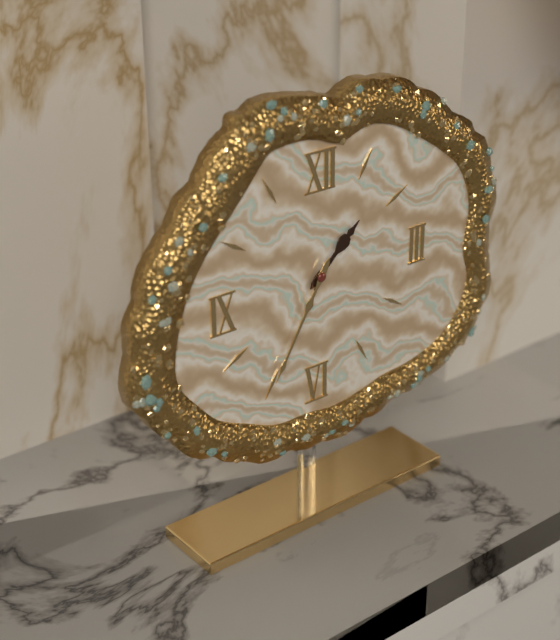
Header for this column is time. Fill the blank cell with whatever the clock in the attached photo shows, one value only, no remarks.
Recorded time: 1:35
